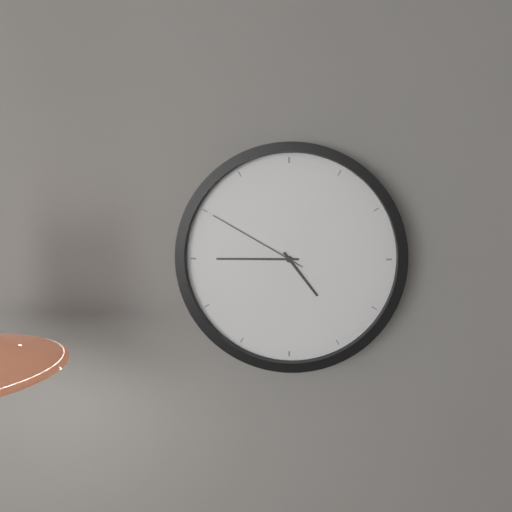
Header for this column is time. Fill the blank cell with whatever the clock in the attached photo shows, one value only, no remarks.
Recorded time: 4:45:50
